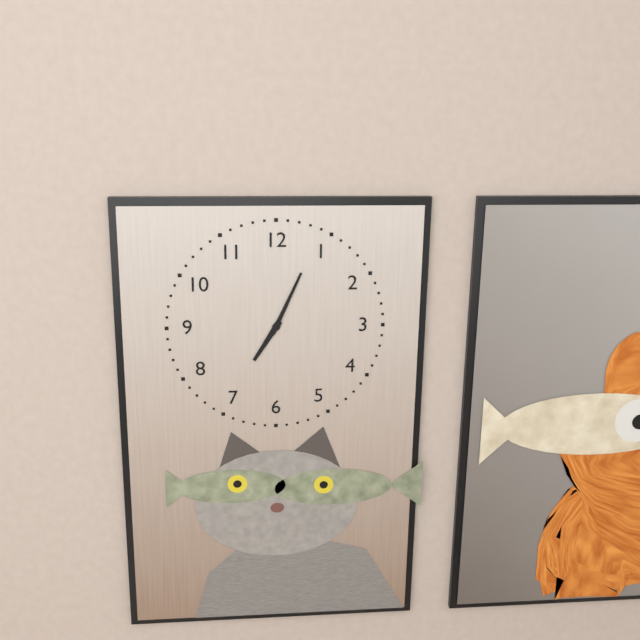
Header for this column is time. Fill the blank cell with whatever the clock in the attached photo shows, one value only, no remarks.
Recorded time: 7:04
